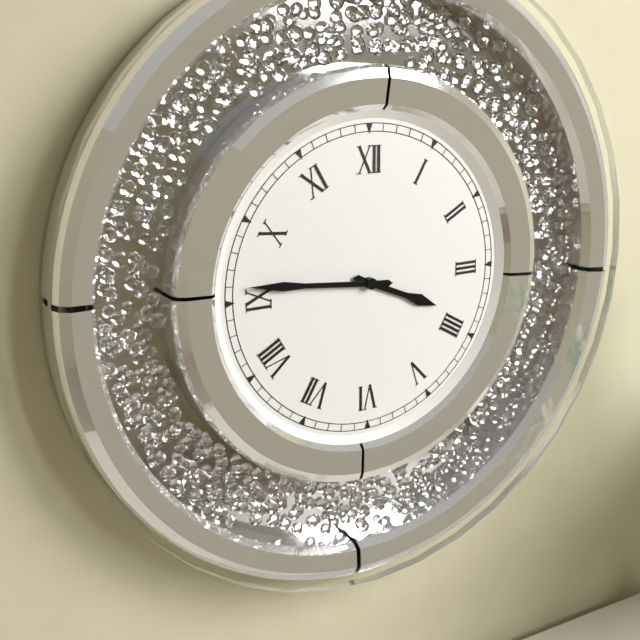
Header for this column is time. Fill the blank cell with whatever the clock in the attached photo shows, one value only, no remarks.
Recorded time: 3:46
